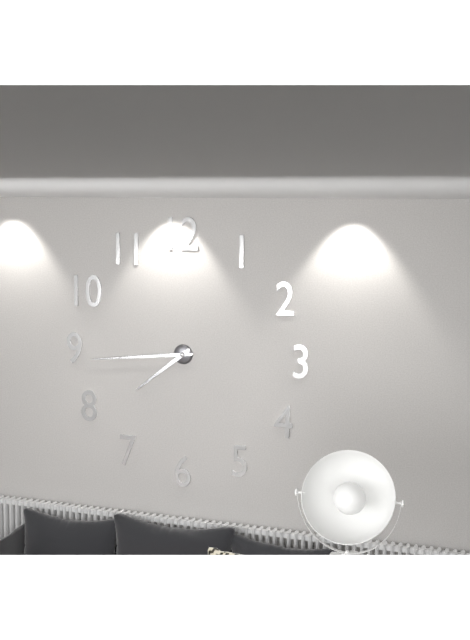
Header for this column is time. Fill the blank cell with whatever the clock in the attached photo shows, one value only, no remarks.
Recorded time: 7:44
